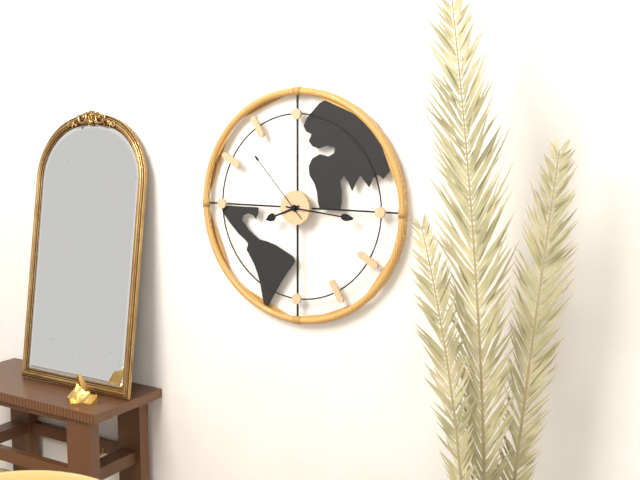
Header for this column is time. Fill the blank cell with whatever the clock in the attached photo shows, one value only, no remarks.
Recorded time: 8:16:53
